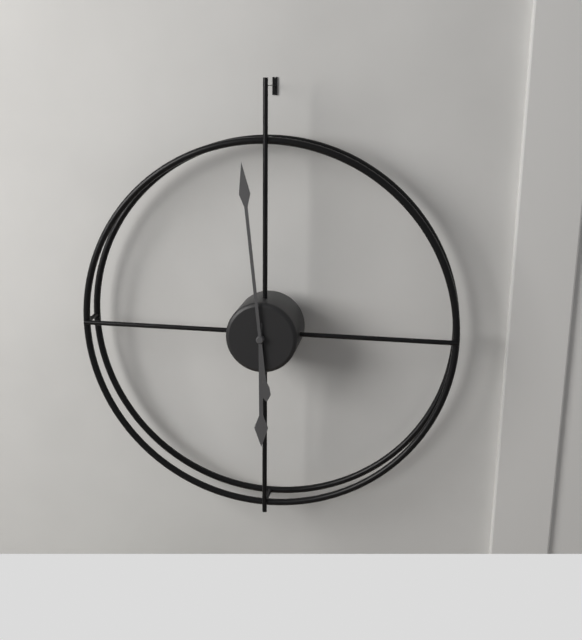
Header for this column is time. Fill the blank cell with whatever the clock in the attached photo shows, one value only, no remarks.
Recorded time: 5:59
